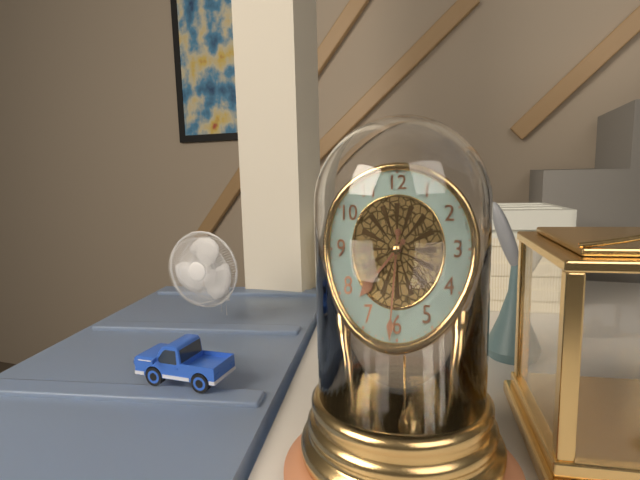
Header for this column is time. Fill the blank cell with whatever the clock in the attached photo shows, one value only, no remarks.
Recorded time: 7:31
